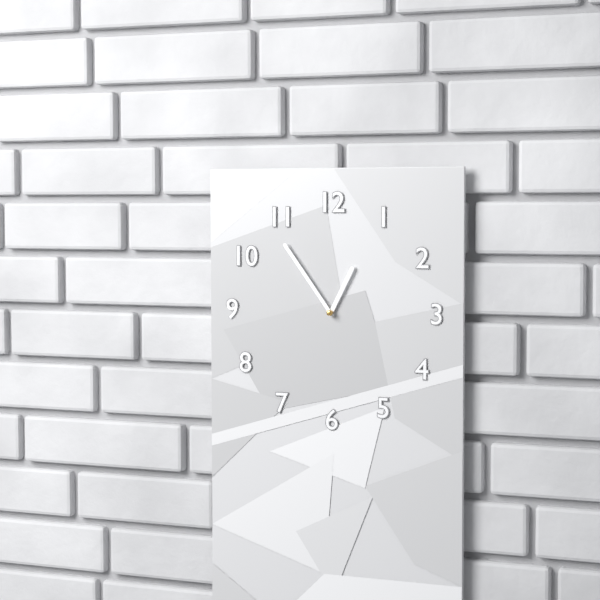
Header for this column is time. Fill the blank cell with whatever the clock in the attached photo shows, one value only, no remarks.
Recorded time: 12:54
